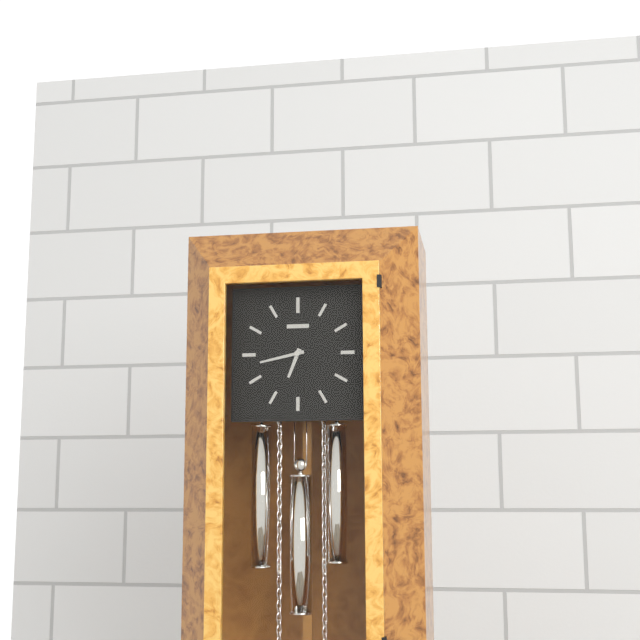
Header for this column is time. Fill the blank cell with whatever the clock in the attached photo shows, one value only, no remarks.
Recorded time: 6:43
